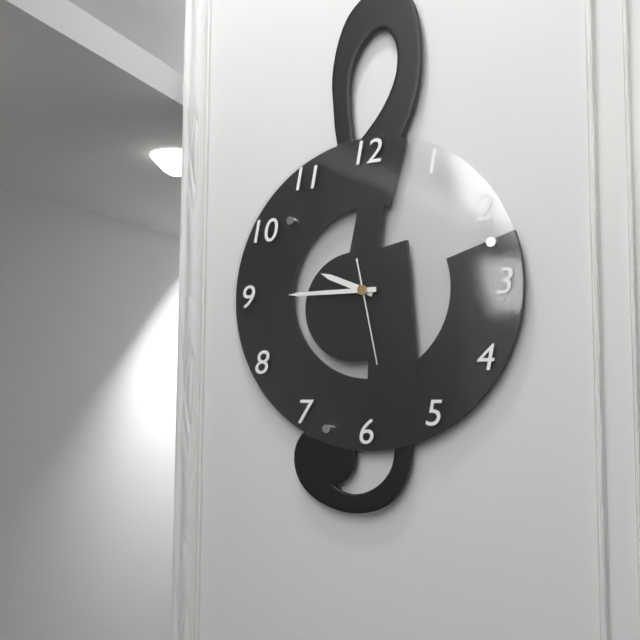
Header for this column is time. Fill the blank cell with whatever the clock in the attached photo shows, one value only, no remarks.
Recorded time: 9:45:28
